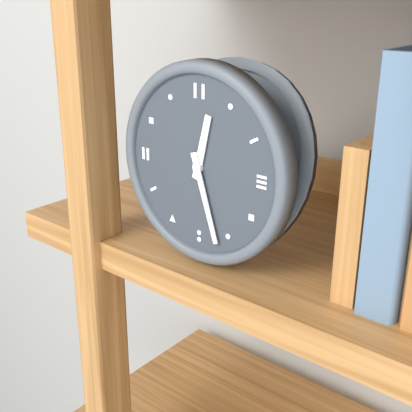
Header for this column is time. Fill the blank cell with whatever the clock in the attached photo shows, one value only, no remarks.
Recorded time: 12:27
